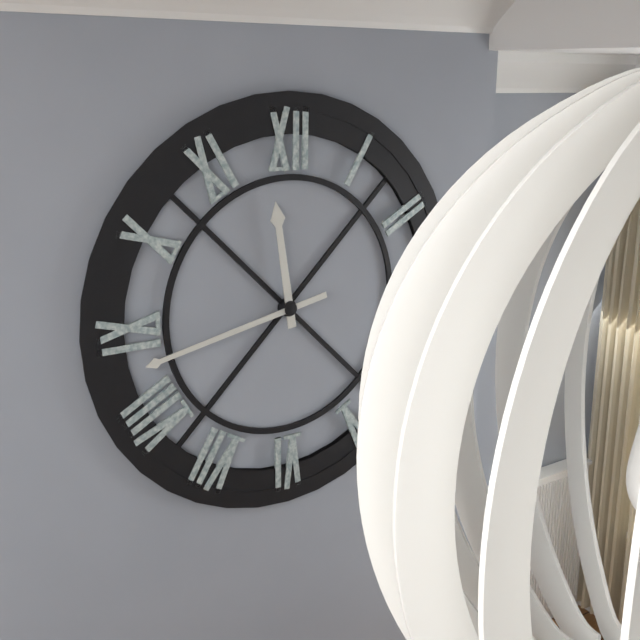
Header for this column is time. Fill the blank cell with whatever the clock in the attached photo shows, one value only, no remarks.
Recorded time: 11:43
